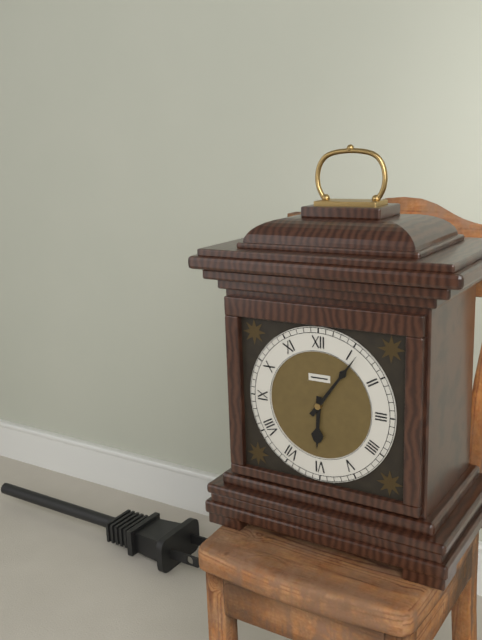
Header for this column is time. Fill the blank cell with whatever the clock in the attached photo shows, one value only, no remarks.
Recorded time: 6:06
